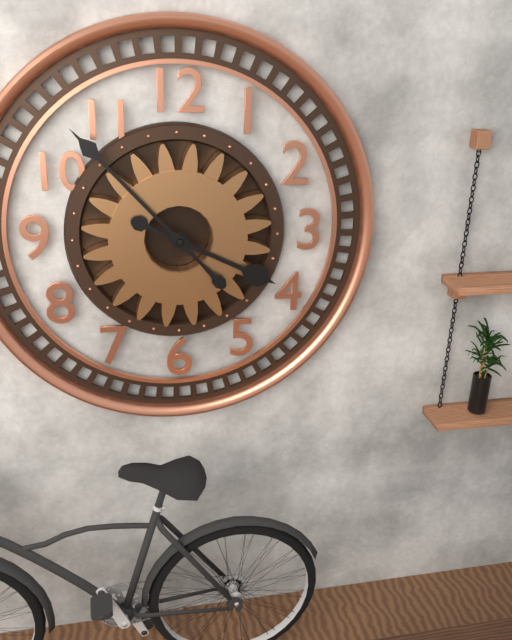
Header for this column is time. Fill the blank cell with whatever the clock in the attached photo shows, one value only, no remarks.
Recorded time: 3:53
